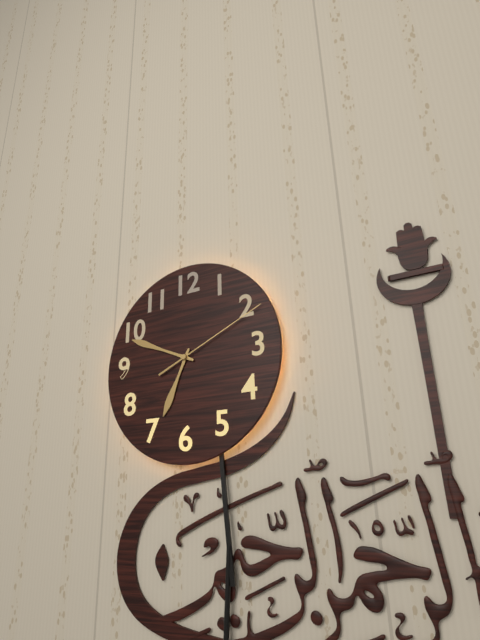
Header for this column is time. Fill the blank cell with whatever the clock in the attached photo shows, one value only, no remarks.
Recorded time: 6:49:11
